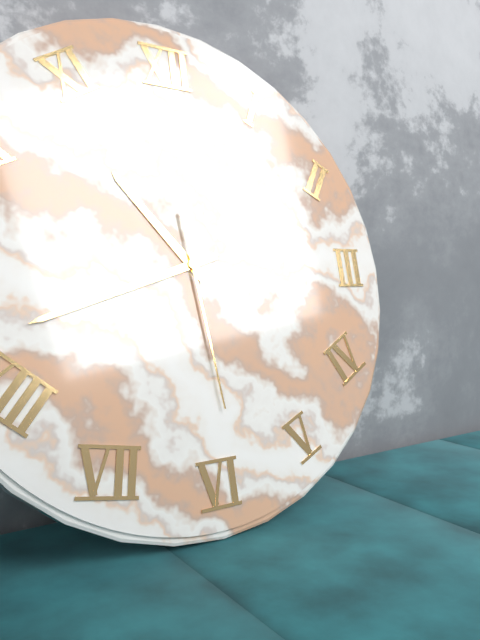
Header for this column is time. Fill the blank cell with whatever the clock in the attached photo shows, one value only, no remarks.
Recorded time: 10:42:29
